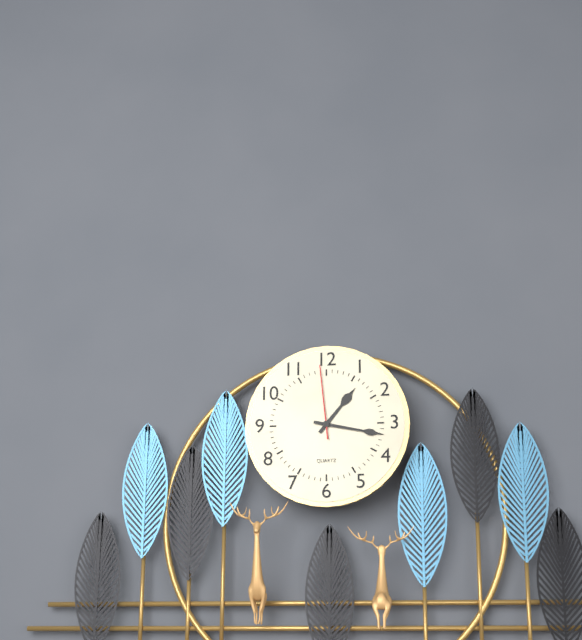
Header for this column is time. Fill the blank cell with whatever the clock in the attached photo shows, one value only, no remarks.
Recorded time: 1:17:59
